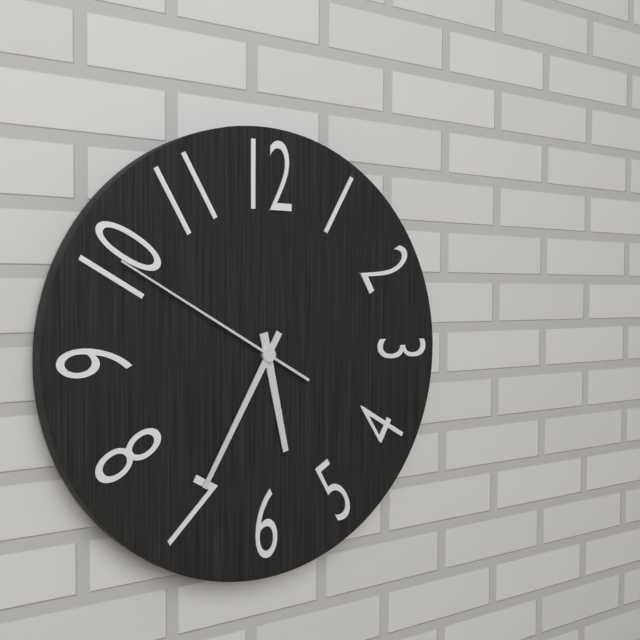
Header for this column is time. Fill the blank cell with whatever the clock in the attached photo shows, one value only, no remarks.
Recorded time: 5:35:50
